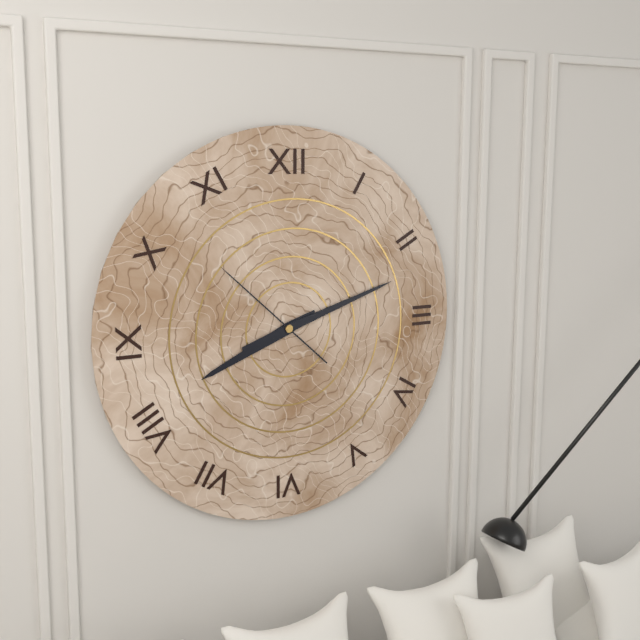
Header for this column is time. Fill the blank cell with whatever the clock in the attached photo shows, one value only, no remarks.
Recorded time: 8:12:52
